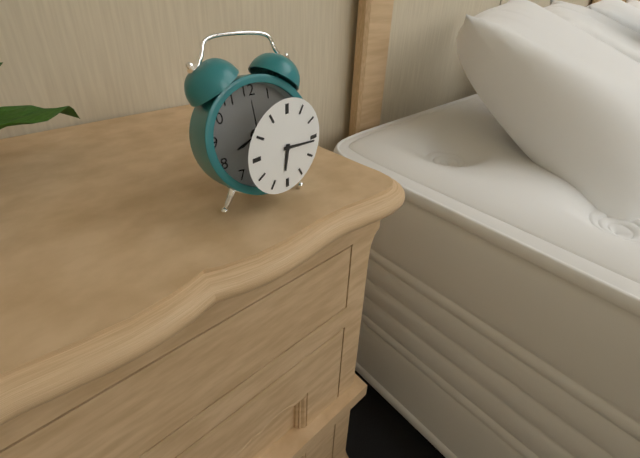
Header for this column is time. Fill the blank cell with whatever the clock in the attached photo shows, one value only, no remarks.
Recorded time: 6:16
